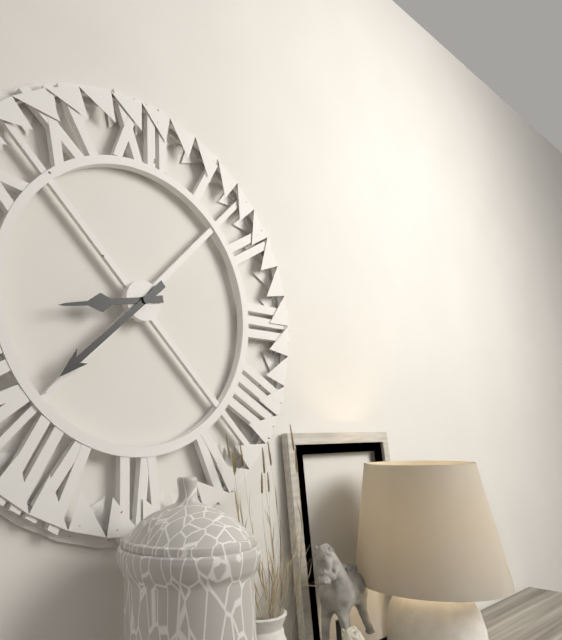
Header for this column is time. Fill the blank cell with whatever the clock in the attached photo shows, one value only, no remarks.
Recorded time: 8:38
